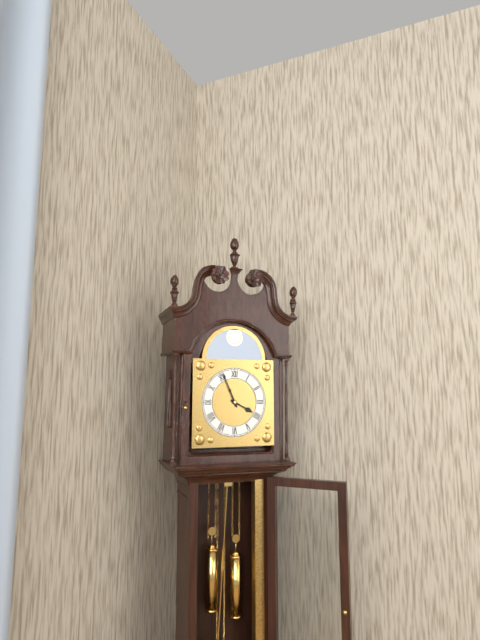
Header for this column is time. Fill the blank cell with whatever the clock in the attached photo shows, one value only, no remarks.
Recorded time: 3:56
